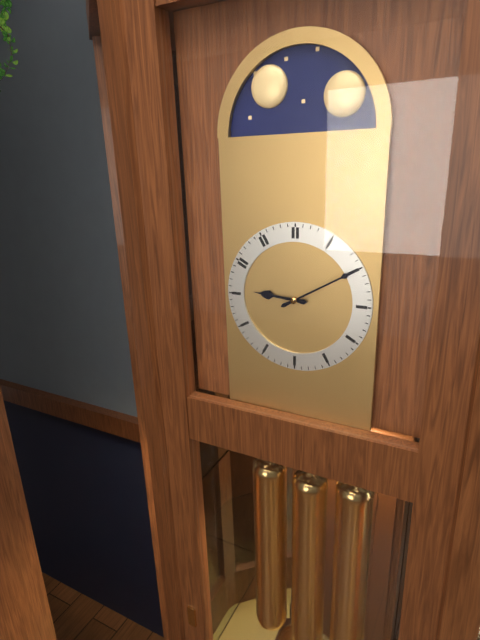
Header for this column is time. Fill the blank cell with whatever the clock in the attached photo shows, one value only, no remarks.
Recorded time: 9:10
